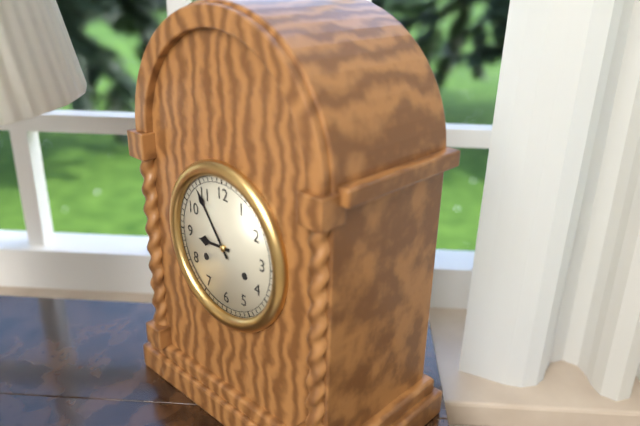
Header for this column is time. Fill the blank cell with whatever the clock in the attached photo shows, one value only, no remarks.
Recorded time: 8:54
